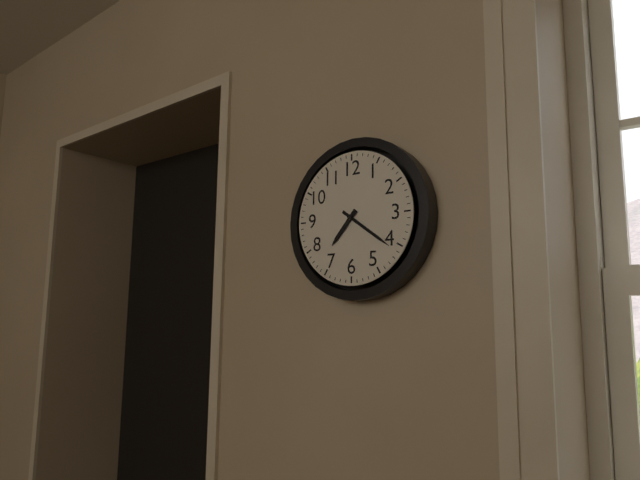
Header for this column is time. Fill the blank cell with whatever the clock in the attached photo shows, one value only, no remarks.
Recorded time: 7:21
